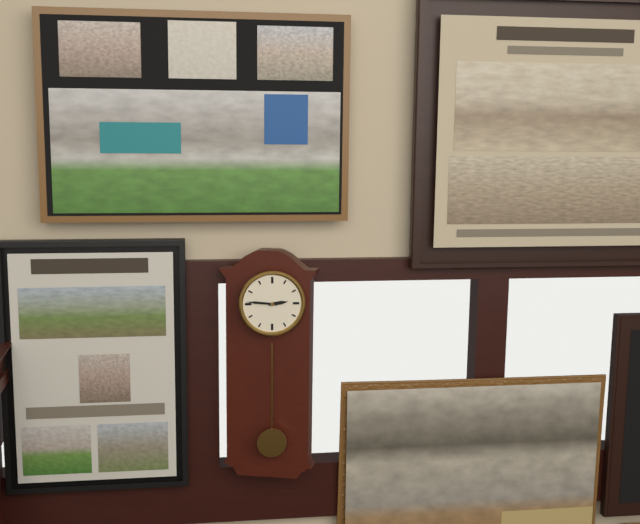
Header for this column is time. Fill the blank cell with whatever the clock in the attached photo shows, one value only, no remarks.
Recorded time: 2:46
